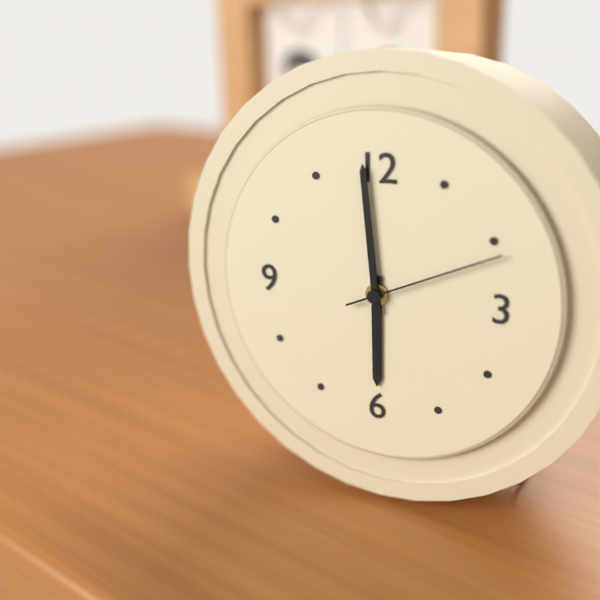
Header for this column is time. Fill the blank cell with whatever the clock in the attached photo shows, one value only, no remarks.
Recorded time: 5:59:11
